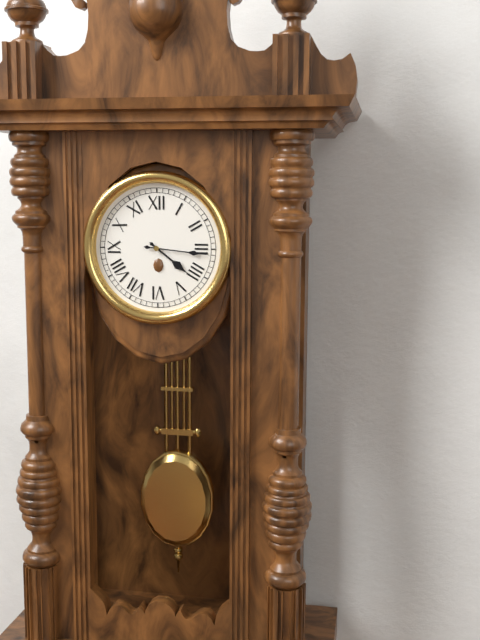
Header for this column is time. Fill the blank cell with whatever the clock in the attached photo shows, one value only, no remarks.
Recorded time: 4:16
